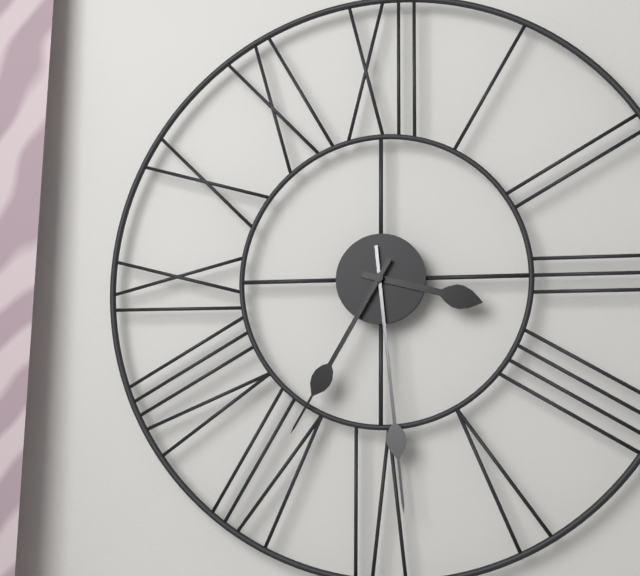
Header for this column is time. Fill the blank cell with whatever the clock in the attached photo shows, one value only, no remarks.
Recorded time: 3:29:35
